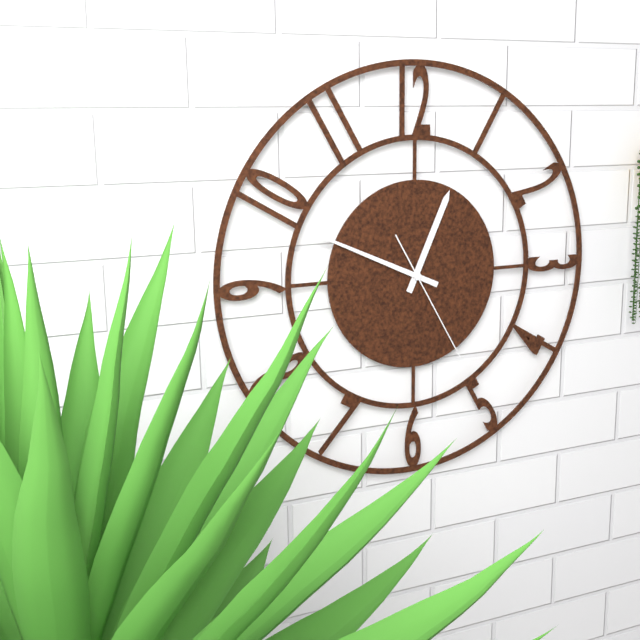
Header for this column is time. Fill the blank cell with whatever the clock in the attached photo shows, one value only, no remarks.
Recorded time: 12:49:25
